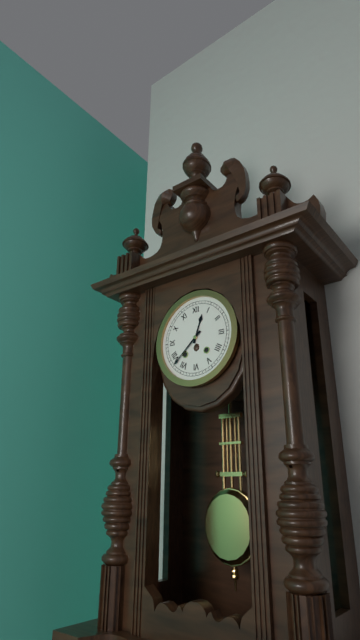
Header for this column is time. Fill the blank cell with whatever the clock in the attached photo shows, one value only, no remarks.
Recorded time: 12:38
